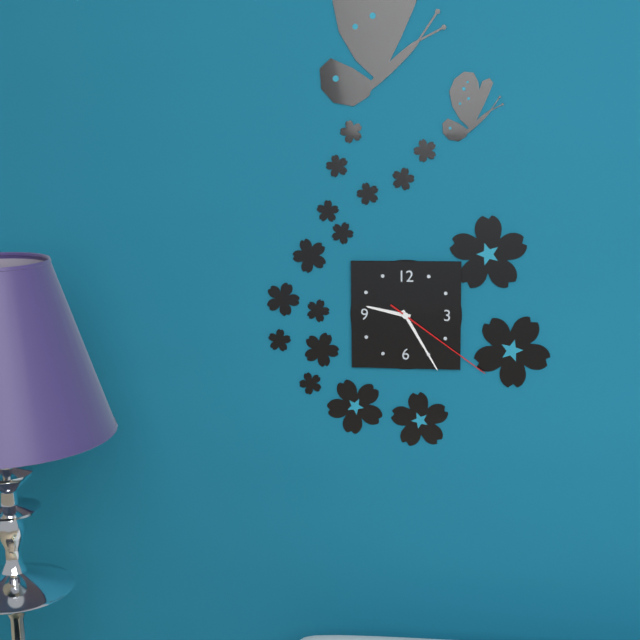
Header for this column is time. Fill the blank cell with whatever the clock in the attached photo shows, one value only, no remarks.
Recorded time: 9:25:21
